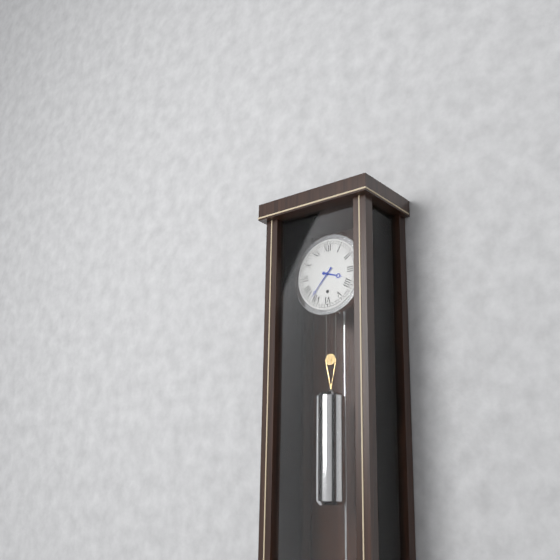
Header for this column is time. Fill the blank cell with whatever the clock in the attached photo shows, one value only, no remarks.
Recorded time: 3:37
